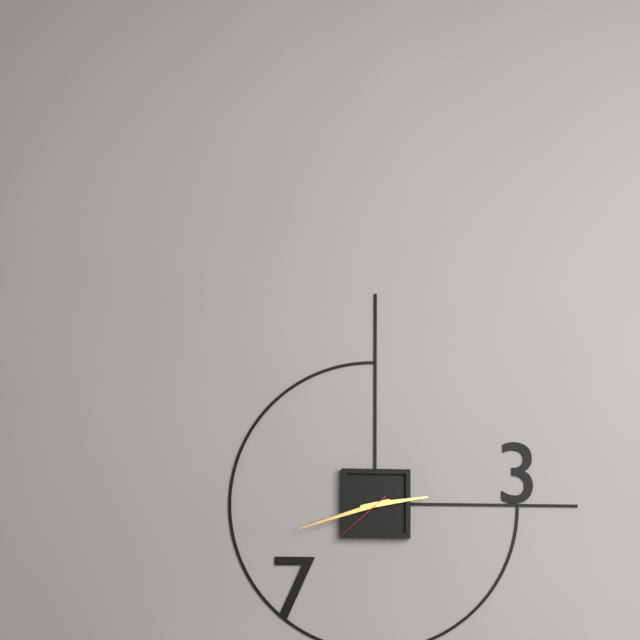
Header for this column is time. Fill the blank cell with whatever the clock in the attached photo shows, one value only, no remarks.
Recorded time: 2:42:38
